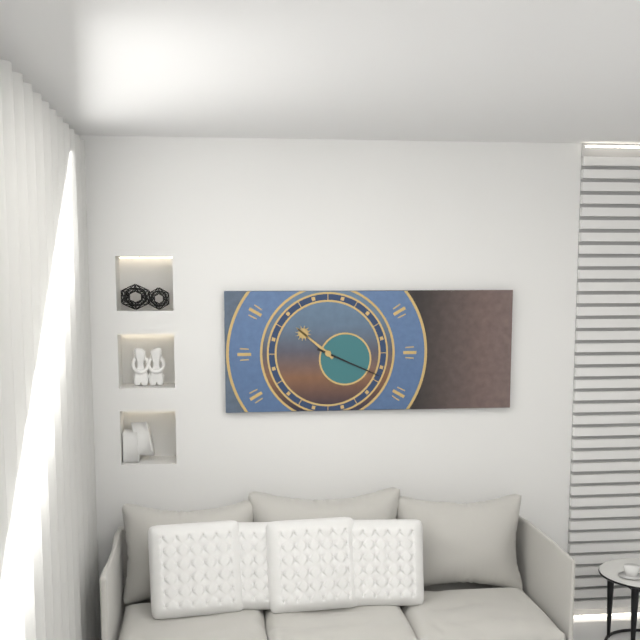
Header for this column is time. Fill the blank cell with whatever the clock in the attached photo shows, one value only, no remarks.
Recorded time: 10:19
